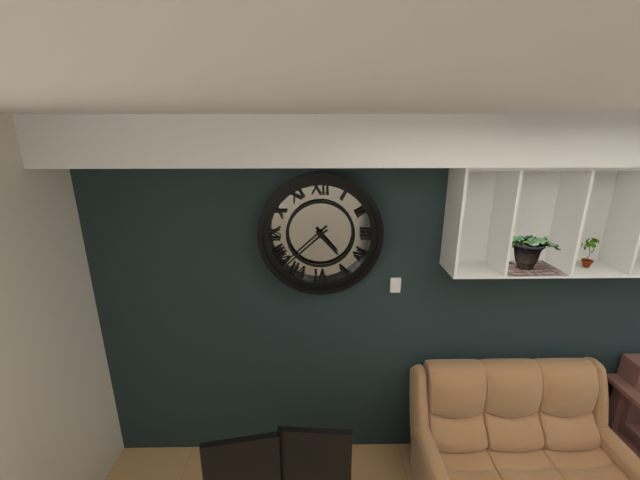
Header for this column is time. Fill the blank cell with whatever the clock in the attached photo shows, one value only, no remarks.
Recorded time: 4:38
